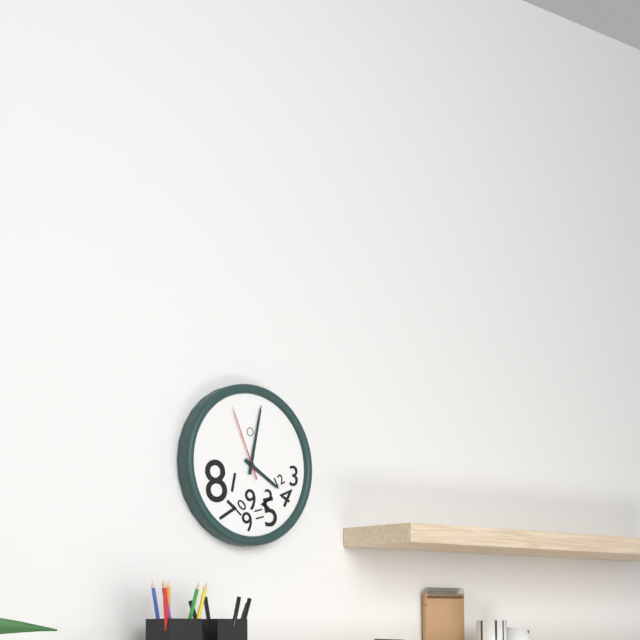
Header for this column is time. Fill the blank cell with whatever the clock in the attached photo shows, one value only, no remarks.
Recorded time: 4:02:56
